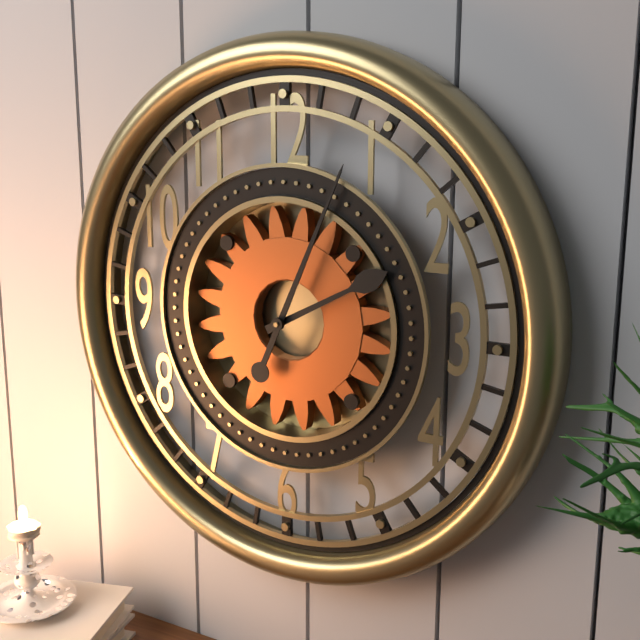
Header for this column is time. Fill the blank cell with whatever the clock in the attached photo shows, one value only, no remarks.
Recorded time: 2:04
